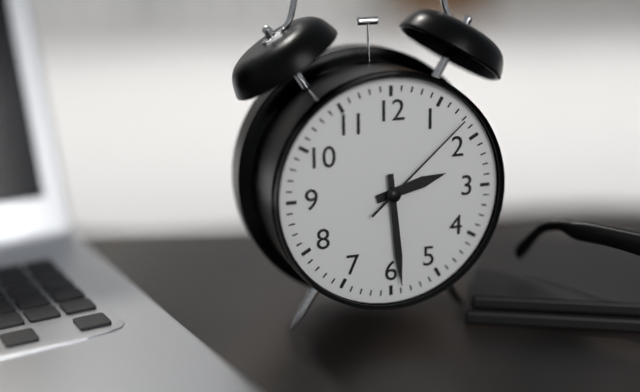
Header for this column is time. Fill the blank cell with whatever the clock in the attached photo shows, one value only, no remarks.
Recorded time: 2:29:08
